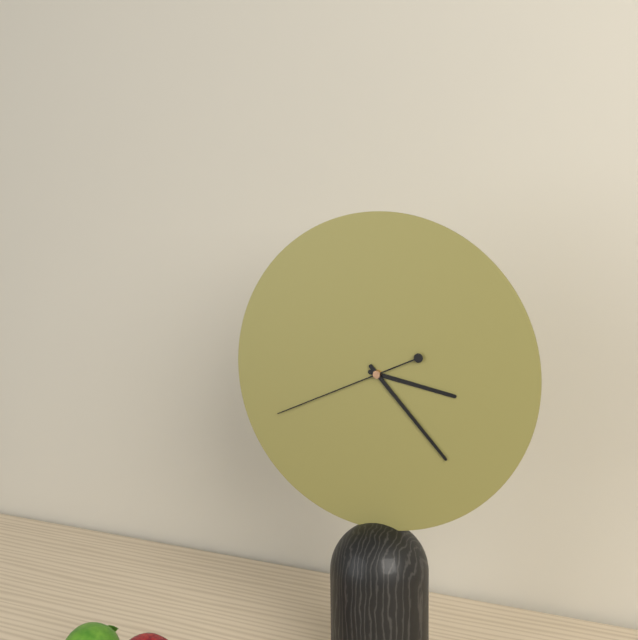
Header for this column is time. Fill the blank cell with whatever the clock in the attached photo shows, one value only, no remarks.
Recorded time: 3:23:41
